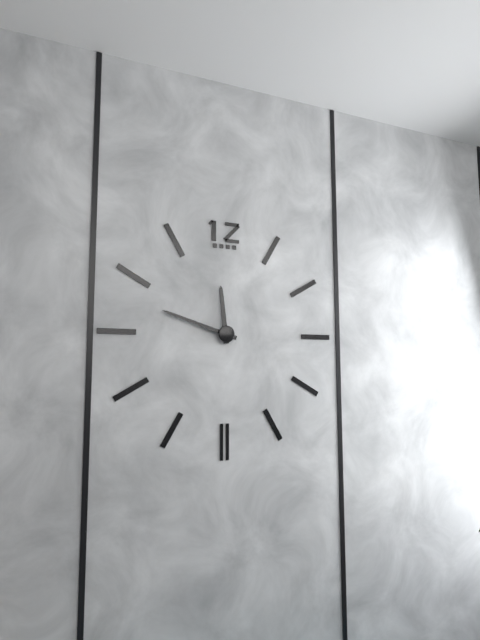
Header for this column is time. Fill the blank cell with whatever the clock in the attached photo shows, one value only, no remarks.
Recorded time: 11:48
